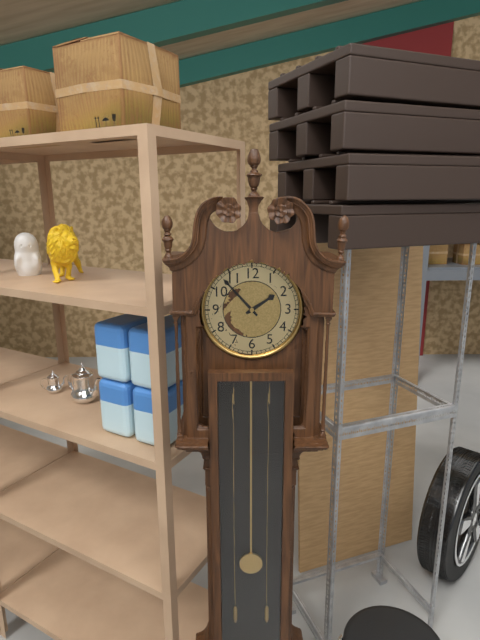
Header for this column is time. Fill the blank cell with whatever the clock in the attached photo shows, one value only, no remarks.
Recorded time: 1:53
